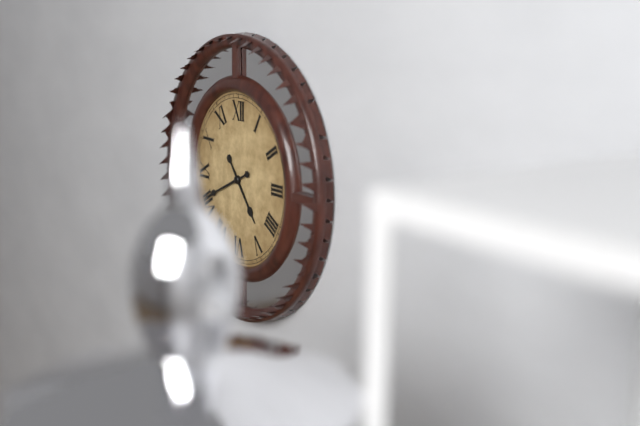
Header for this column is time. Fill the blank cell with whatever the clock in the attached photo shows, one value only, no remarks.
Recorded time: 4:41
